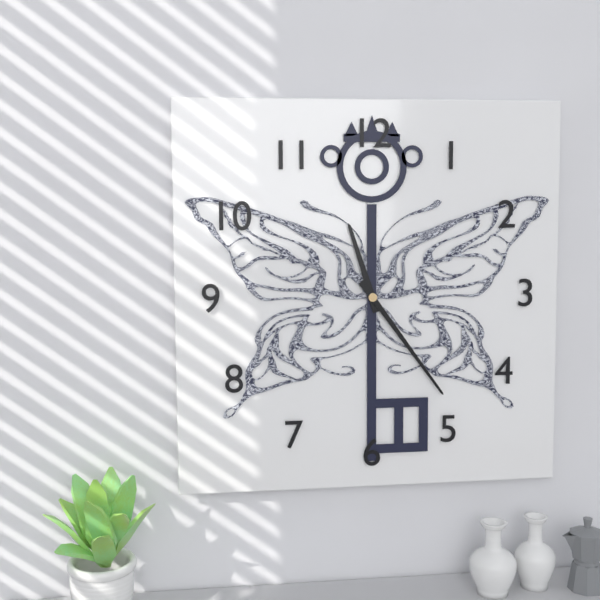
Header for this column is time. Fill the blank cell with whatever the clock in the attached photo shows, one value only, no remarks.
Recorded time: 11:24
